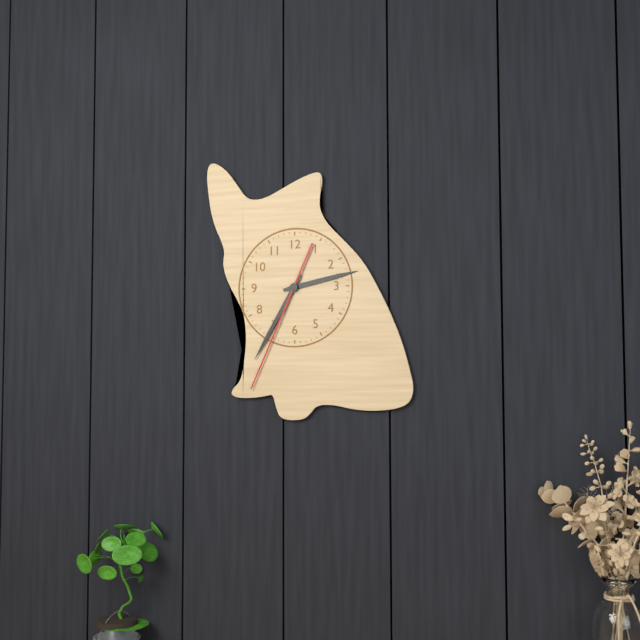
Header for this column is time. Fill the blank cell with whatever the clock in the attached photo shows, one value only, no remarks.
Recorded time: 2:35:34
